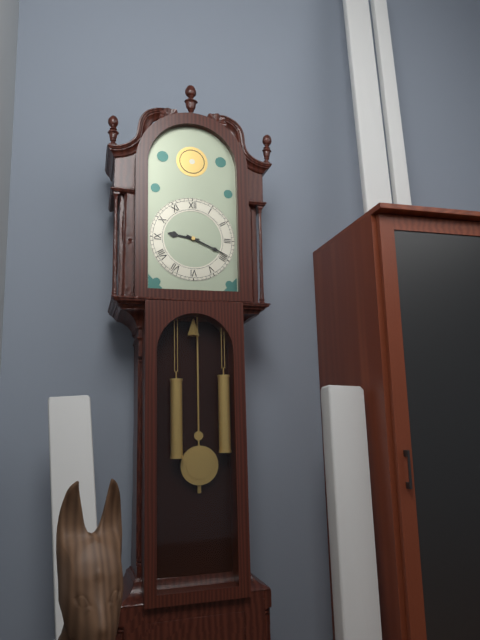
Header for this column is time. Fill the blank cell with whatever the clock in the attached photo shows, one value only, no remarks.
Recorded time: 9:19
